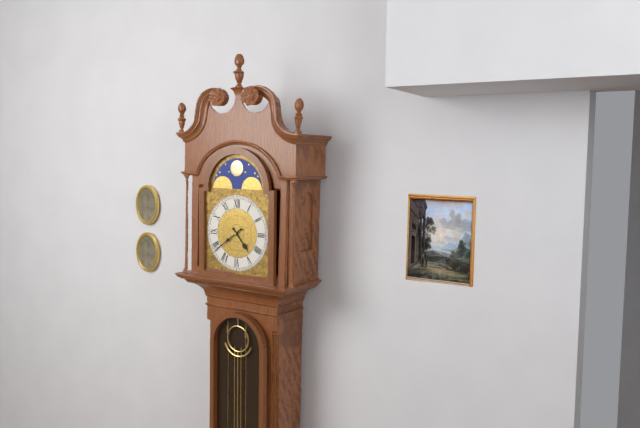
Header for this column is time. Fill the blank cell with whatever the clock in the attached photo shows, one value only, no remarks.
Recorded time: 4:39
